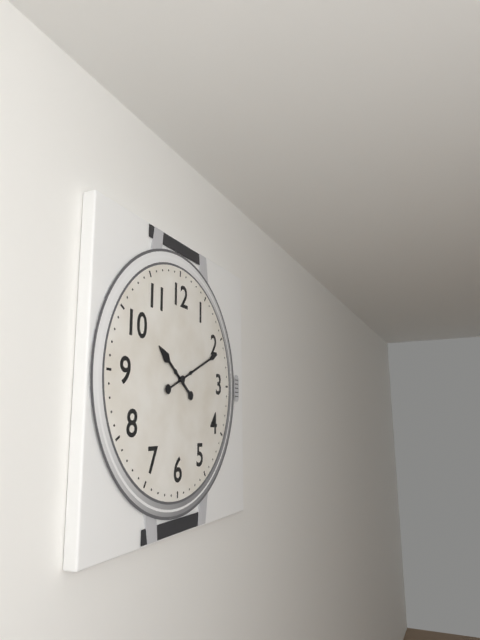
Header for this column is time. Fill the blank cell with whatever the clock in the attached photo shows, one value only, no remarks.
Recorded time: 10:11
